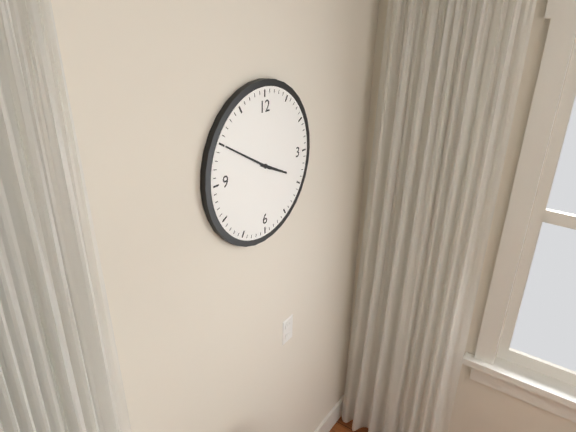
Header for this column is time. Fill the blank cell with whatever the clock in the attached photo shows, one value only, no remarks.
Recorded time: 3:50
